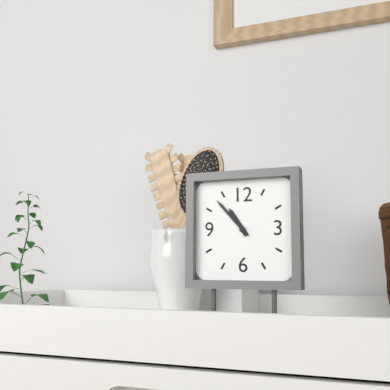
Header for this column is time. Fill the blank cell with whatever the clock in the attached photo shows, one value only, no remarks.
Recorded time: 10:53
